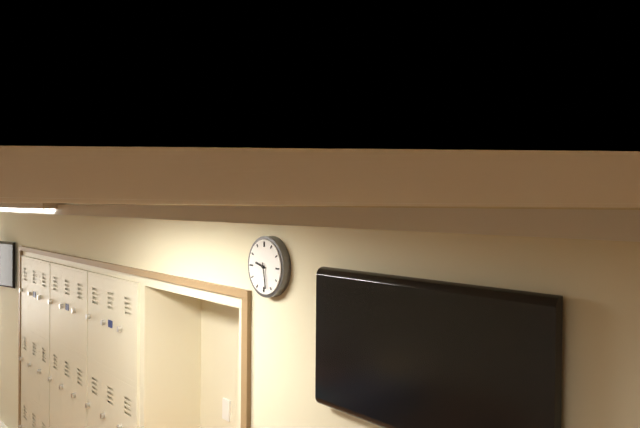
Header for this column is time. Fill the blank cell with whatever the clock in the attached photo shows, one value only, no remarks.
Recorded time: 9:28
